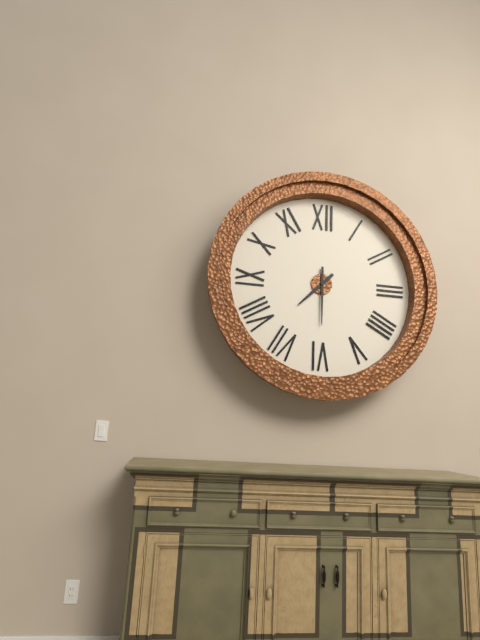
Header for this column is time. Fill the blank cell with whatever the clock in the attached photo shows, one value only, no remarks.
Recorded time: 7:30
